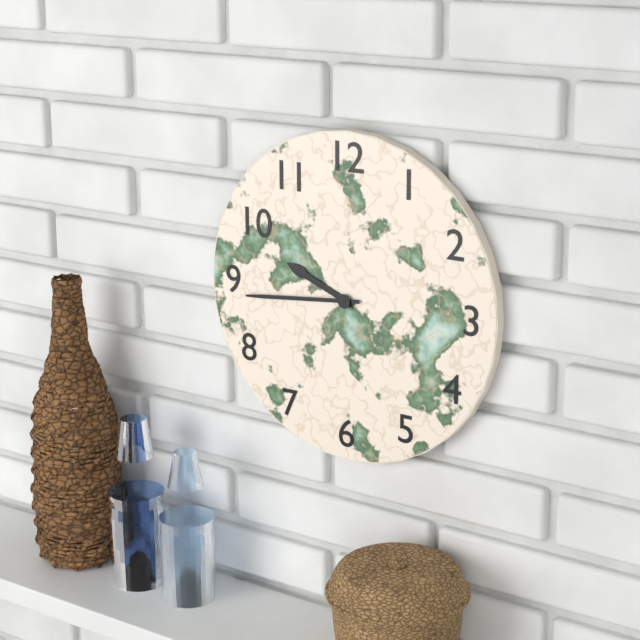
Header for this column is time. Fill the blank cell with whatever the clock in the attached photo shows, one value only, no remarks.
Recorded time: 9:44
